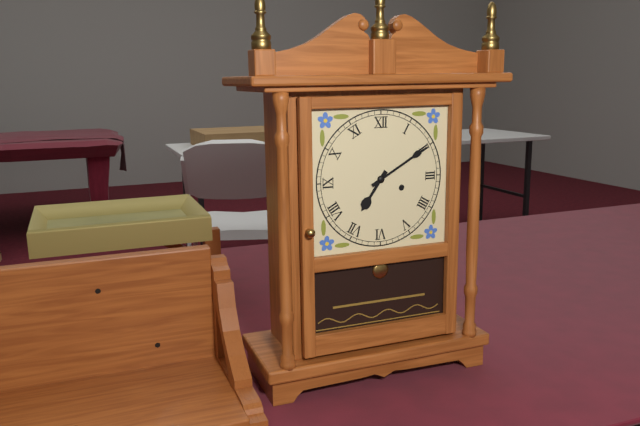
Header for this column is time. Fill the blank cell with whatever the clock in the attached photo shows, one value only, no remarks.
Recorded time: 7:10
